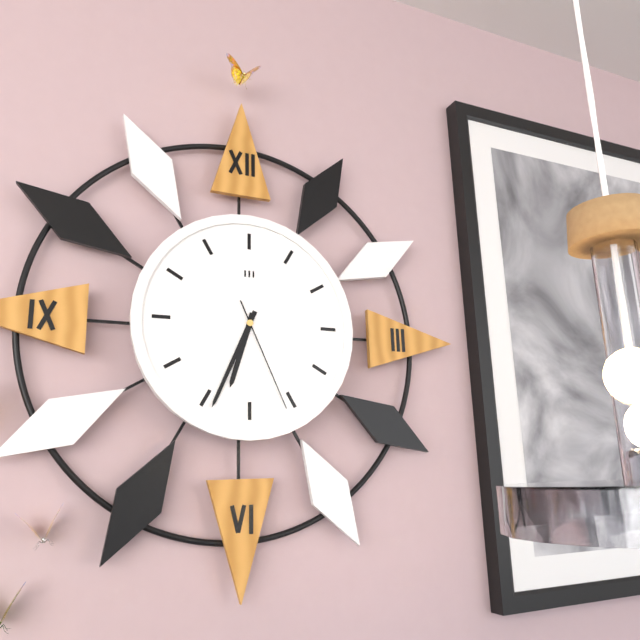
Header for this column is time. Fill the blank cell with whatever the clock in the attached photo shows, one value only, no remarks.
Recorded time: 6:34:26
